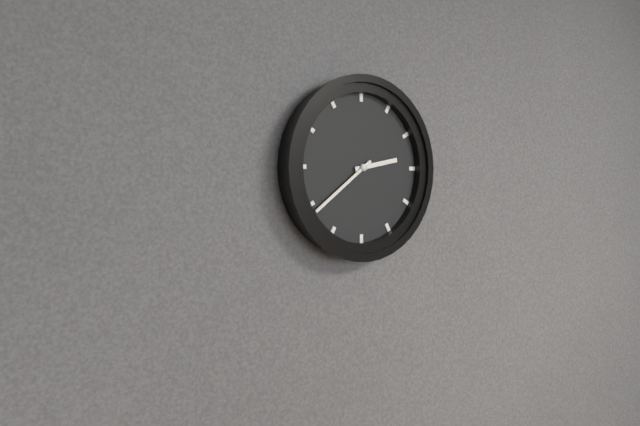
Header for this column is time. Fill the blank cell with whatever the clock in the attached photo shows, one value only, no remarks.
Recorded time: 2:39
